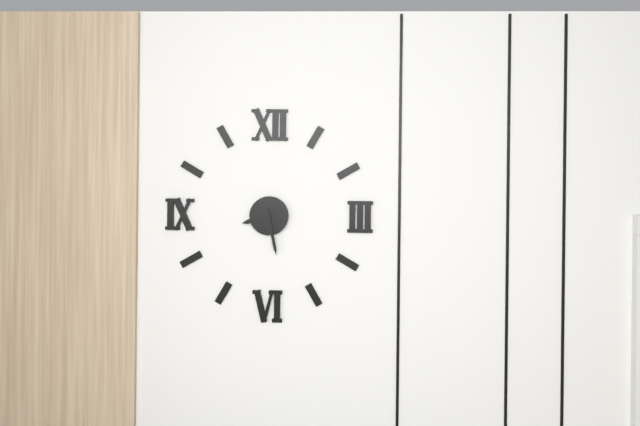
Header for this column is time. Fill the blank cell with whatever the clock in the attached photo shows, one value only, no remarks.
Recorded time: 8:28
